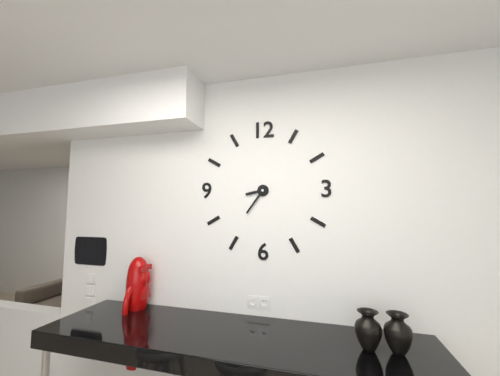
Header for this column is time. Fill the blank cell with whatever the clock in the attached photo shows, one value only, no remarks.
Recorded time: 8:36
